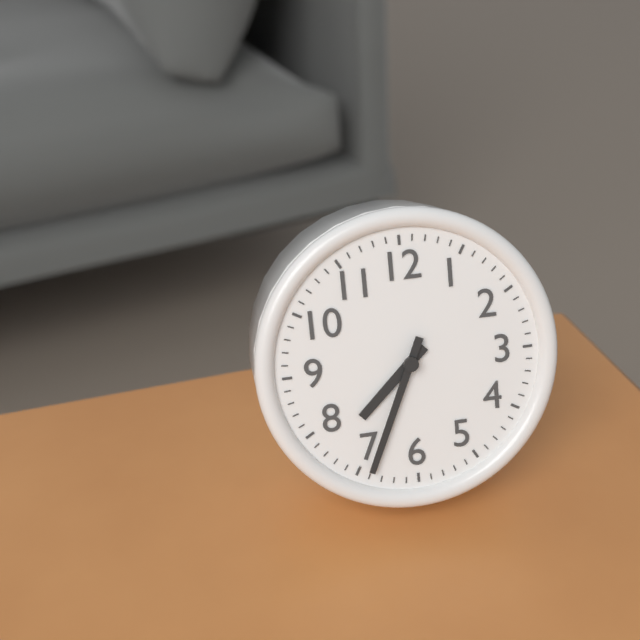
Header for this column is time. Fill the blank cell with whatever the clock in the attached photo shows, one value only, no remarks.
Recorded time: 7:34
